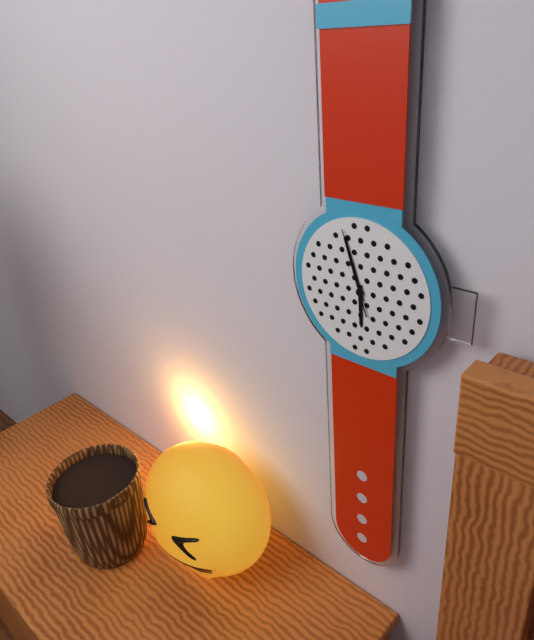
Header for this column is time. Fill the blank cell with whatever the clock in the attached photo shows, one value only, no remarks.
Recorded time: 5:57:57
